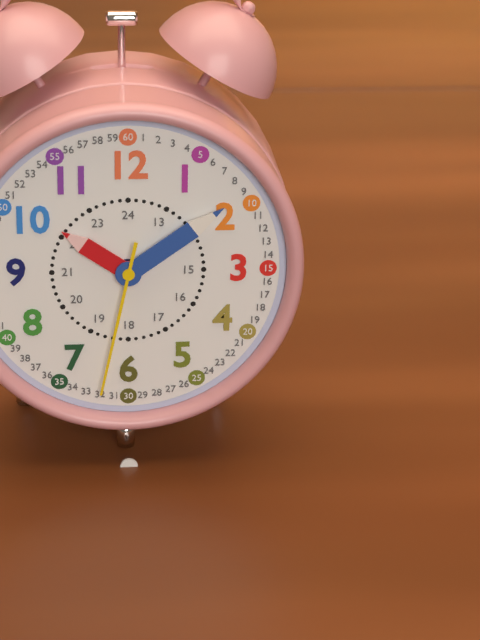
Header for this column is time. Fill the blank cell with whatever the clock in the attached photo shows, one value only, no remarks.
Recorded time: 10:09:32
